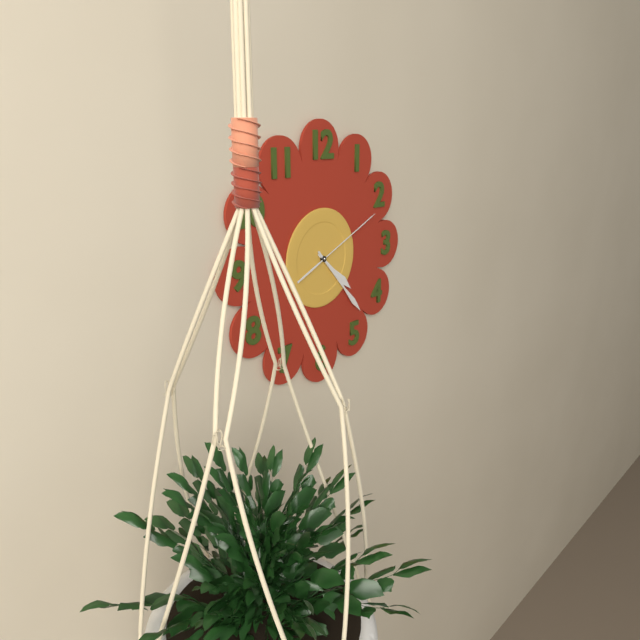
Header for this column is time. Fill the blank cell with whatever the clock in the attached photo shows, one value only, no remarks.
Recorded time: 4:23:11
